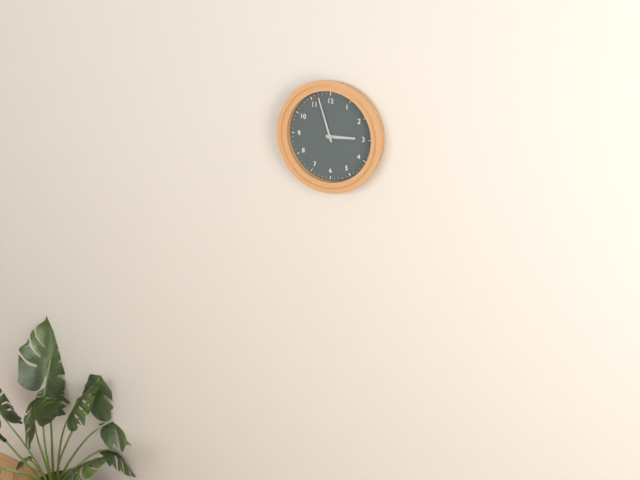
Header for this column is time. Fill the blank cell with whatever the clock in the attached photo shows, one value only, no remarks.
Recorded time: 2:57
